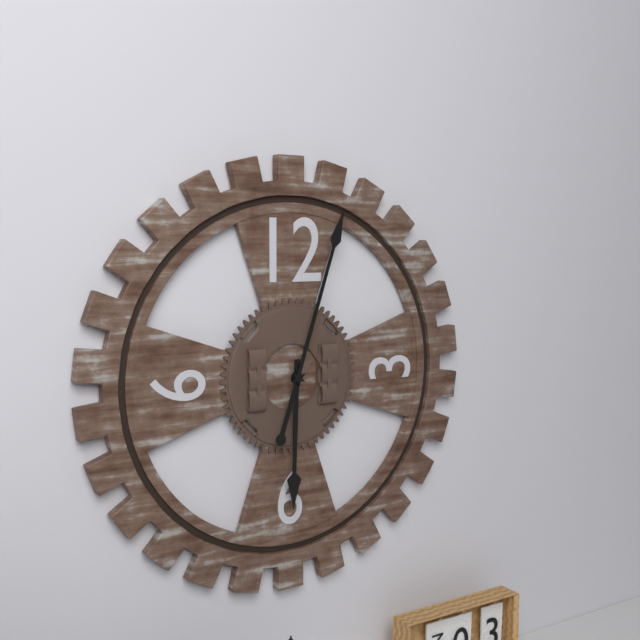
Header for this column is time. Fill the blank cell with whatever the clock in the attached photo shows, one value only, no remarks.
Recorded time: 6:03
